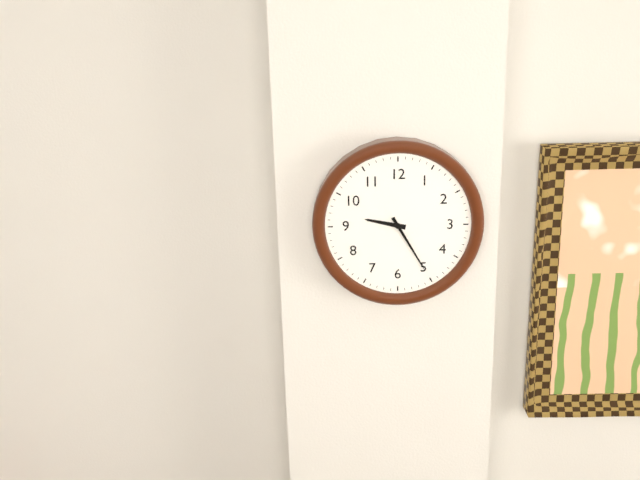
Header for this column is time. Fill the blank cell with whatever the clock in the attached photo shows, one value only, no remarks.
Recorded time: 9:25
